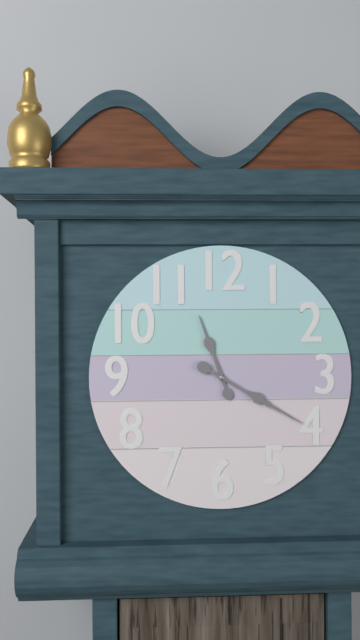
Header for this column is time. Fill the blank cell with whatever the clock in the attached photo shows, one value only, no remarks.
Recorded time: 11:20
